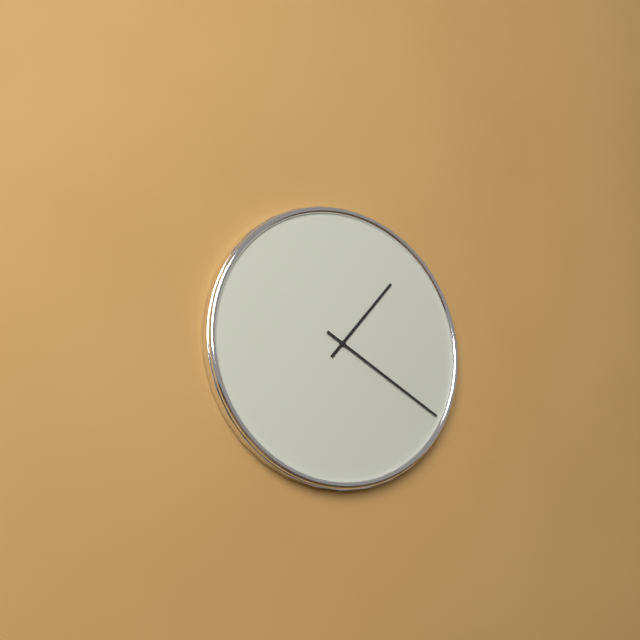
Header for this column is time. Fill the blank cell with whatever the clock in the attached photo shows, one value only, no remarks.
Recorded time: 1:20
